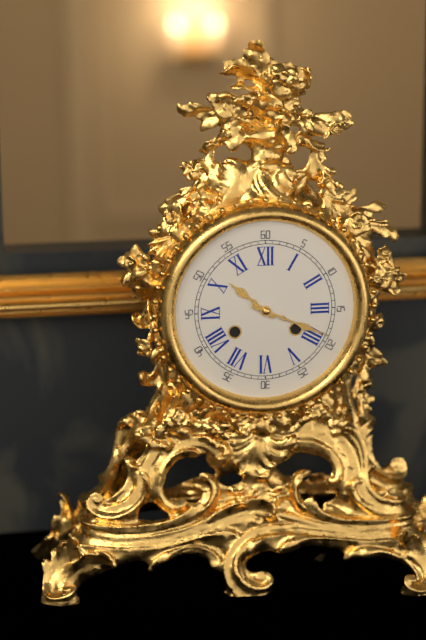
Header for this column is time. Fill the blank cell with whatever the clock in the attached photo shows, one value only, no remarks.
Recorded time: 10:19
